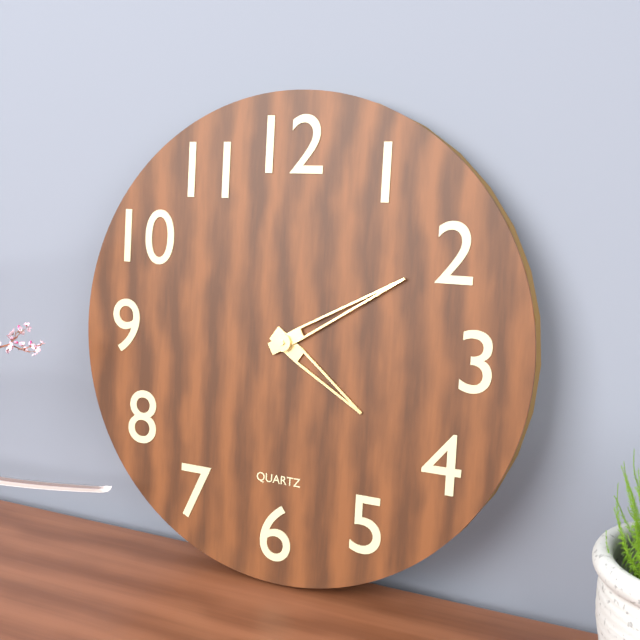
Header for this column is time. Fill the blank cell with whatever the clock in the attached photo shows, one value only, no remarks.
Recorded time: 4:10
